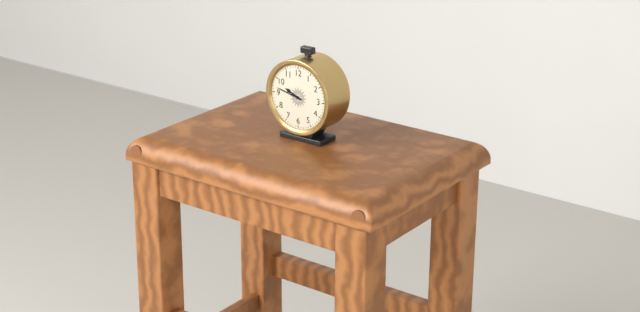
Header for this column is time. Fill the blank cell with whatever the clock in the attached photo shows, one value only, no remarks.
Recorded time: 9:47
